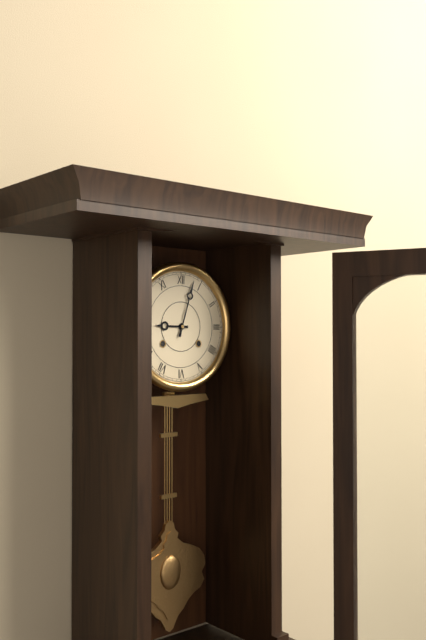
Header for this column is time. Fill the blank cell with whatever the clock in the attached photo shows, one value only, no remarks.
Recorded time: 9:03
